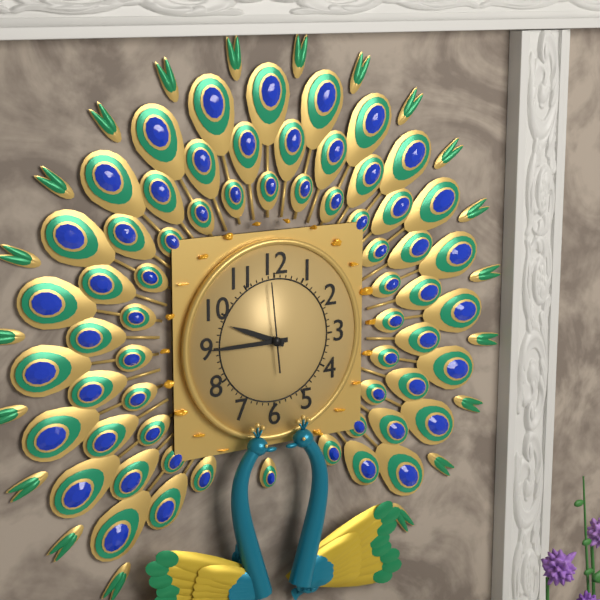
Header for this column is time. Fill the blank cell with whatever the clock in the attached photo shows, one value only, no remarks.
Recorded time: 9:45:59
